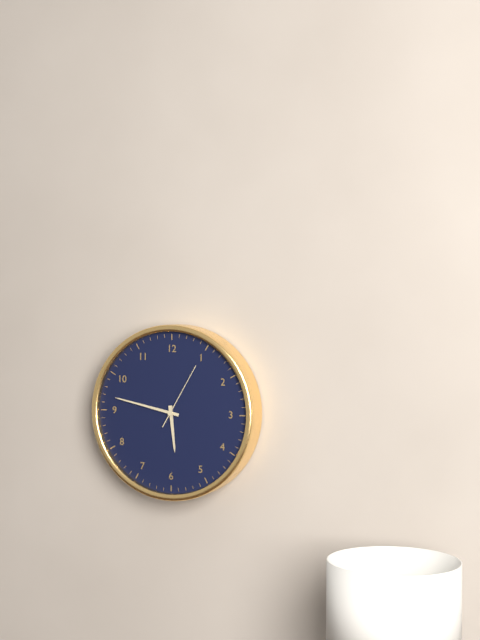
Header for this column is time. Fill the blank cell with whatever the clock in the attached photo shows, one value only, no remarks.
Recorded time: 5:47:05
